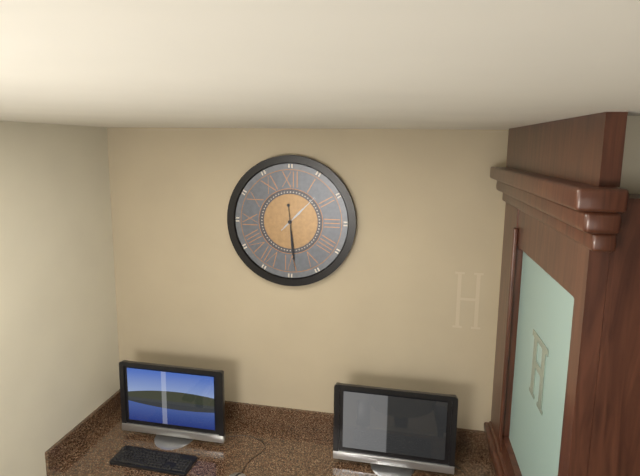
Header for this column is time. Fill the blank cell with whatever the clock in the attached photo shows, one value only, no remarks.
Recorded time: 1:29
